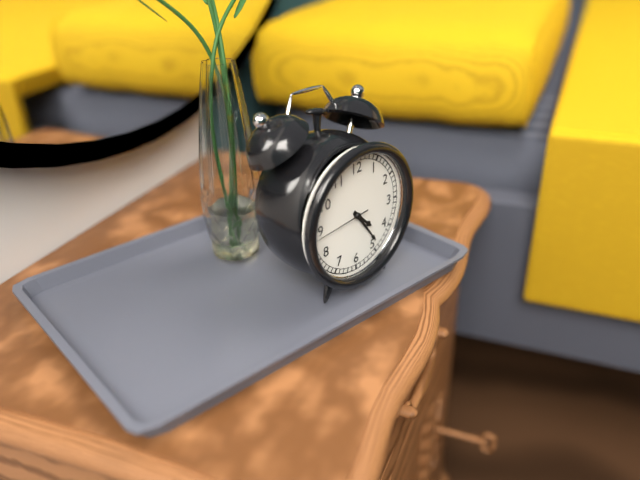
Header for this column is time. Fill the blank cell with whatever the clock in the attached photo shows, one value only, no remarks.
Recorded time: 4:24:44
